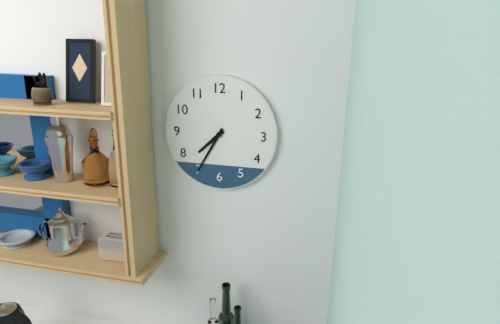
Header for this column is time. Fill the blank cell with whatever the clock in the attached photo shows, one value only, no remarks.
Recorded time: 7:35
